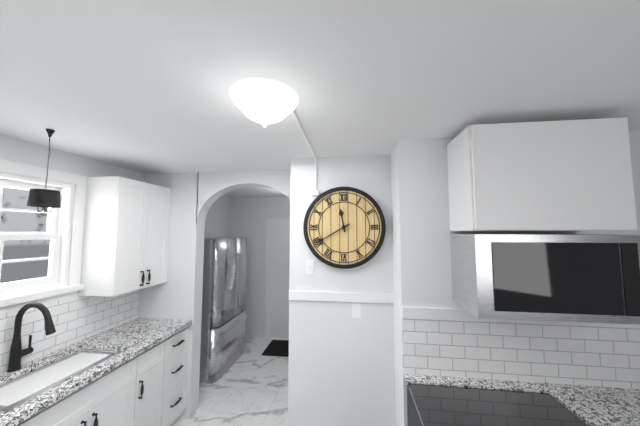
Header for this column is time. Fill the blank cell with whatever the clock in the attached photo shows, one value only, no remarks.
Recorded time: 11:40
